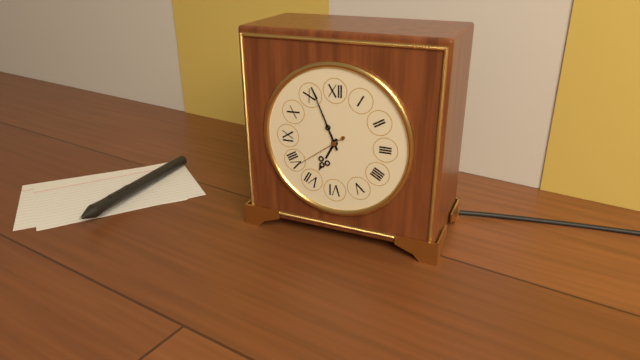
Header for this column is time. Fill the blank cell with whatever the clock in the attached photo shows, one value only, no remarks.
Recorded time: 6:56
